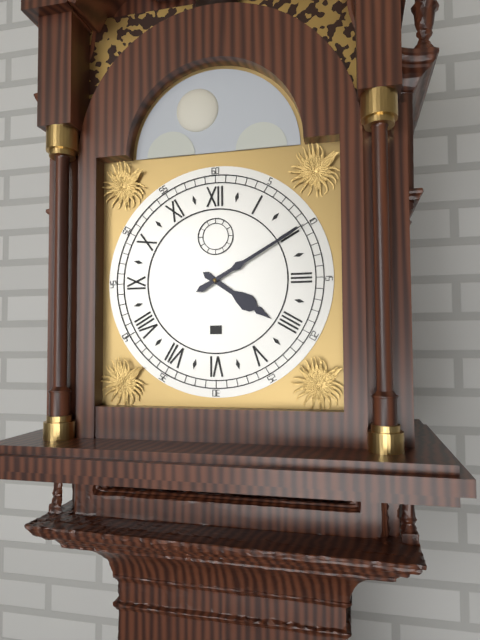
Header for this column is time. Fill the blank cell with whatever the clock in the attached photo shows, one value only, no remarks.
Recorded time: 4:10
